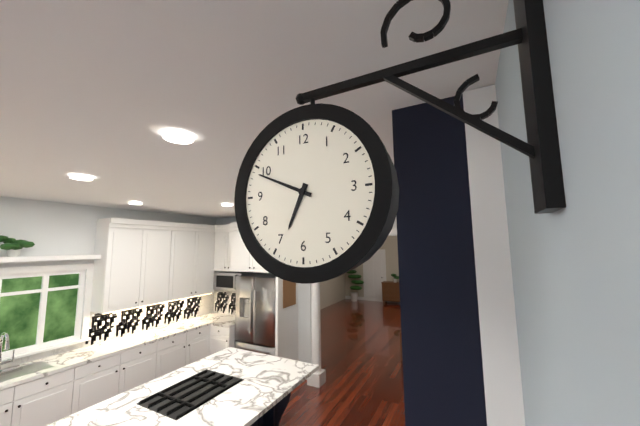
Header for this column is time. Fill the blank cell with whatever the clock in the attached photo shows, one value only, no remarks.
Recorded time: 6:49
